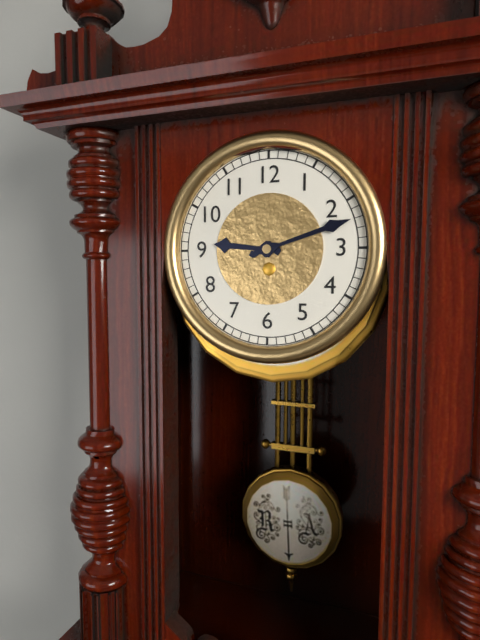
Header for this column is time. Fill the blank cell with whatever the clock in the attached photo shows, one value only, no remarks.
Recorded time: 9:12
